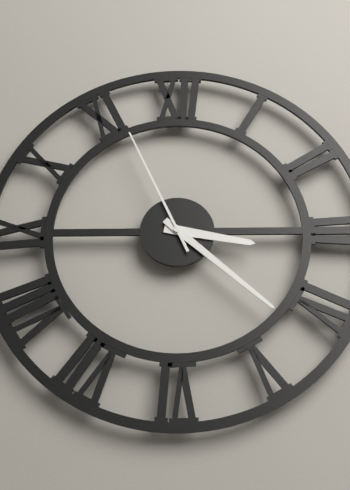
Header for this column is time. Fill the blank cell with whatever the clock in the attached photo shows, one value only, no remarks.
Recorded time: 3:22:56
